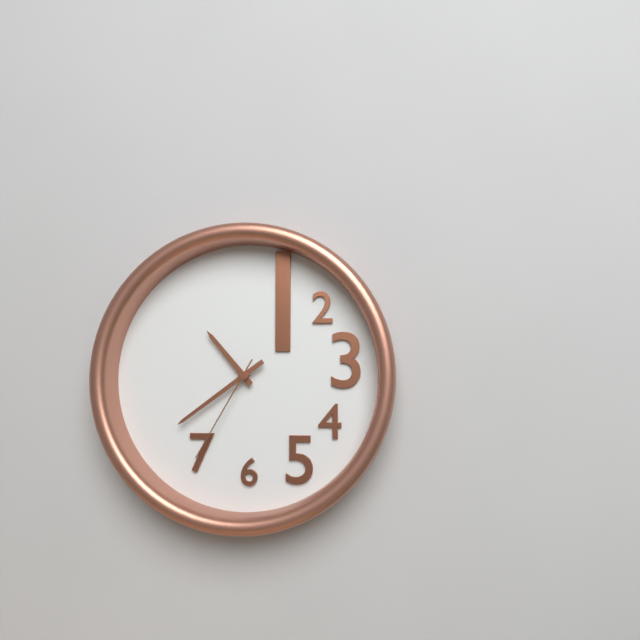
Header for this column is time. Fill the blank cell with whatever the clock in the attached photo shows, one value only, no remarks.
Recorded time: 10:39:35
